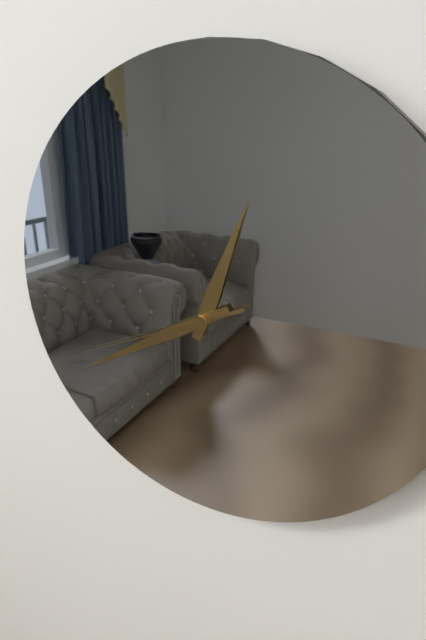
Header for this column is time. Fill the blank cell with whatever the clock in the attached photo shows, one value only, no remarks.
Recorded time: 12:40:41
